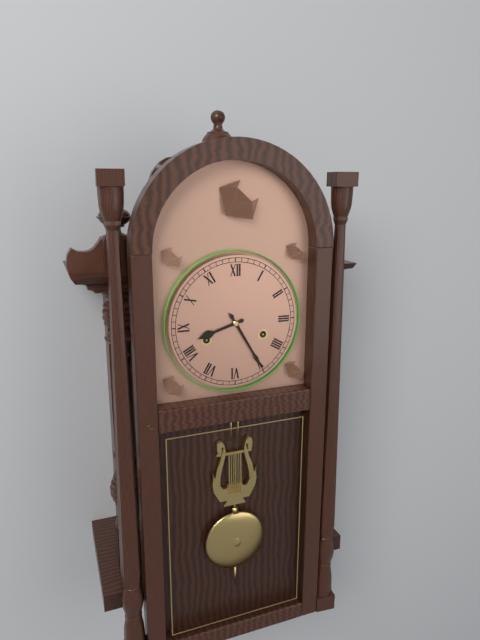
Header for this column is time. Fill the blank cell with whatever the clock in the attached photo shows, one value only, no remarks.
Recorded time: 8:25
